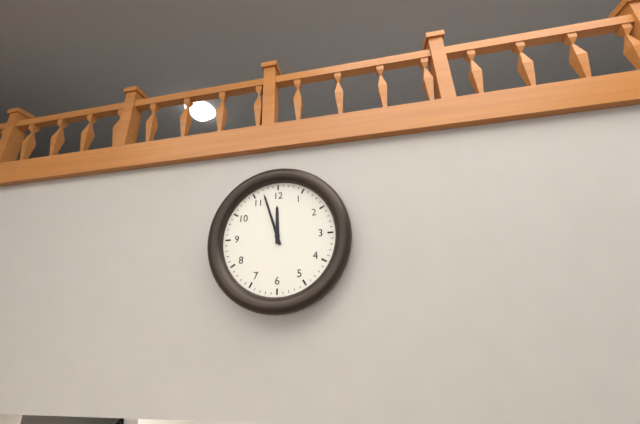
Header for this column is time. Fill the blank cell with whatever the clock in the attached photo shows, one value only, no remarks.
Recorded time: 11:57
